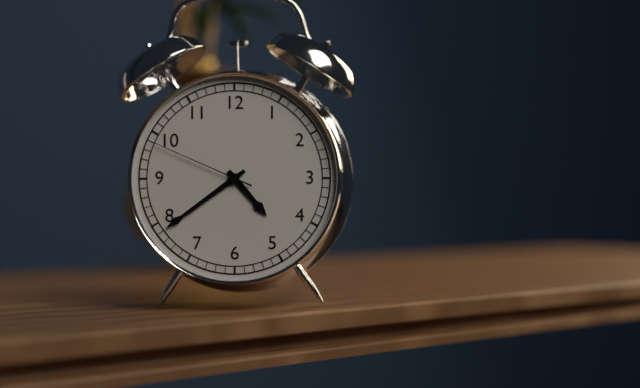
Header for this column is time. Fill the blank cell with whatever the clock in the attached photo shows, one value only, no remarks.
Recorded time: 4:39:49
